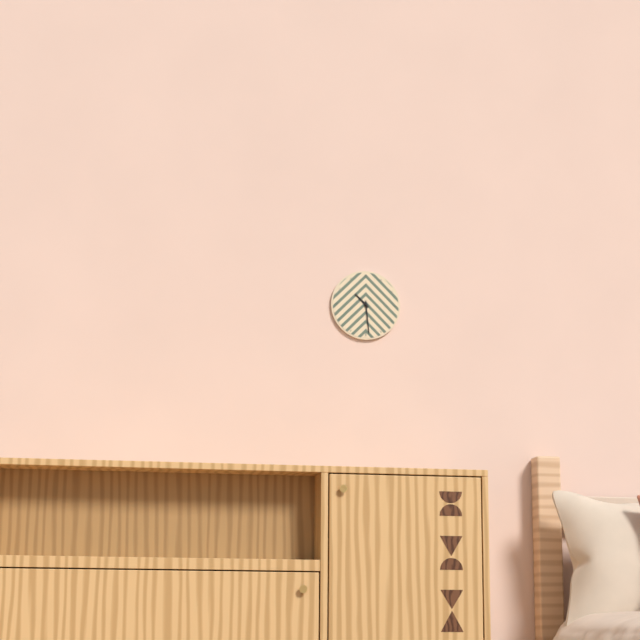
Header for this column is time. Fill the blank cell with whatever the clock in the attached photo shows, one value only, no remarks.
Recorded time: 10:29
